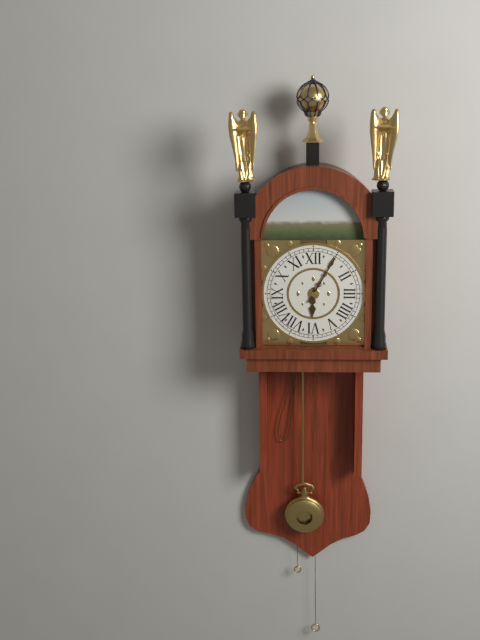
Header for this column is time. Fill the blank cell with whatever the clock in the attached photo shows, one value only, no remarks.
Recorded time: 6:05
